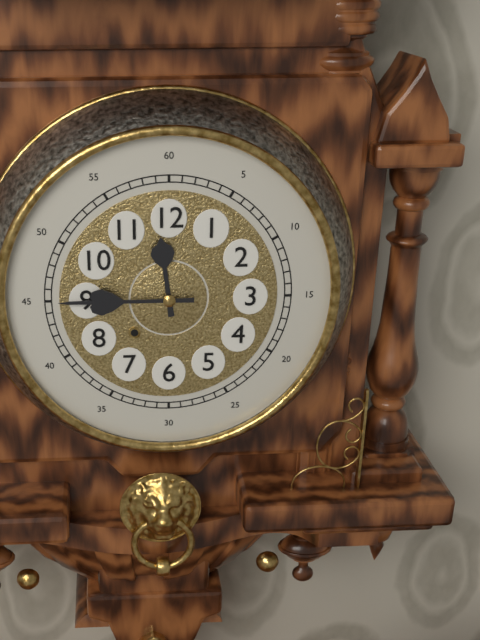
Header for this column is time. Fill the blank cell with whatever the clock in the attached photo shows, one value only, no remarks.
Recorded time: 11:45
